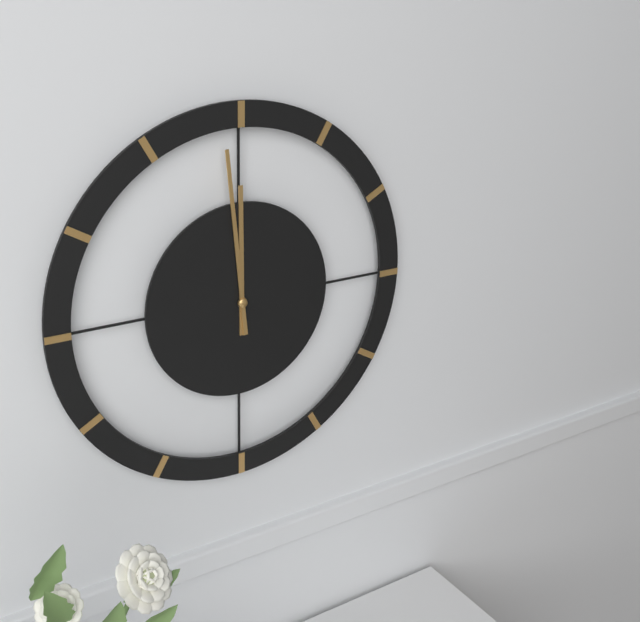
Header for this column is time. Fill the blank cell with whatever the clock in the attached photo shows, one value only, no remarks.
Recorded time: 11:59
